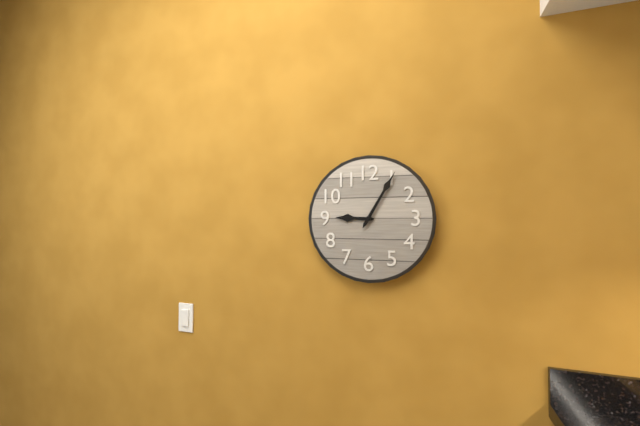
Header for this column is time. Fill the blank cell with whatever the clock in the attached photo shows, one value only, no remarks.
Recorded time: 9:05
